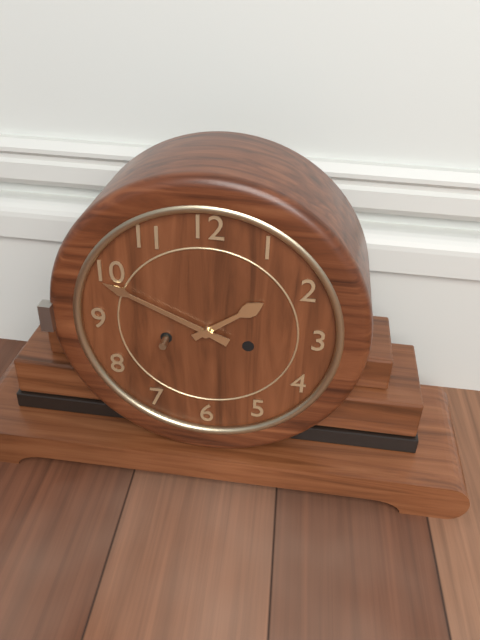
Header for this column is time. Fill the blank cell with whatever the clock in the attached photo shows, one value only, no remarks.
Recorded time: 1:49
